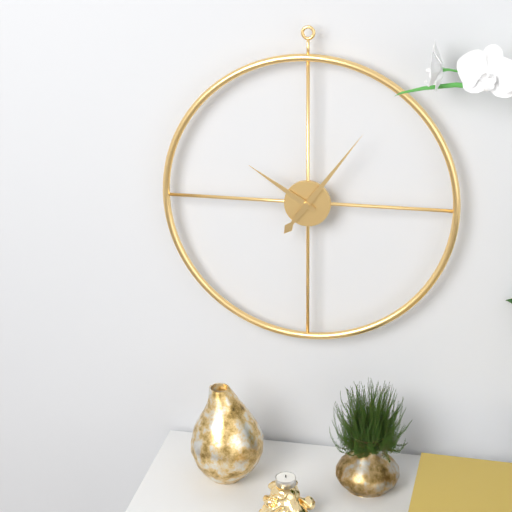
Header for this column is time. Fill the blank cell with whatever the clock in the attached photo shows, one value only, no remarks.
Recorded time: 10:06
